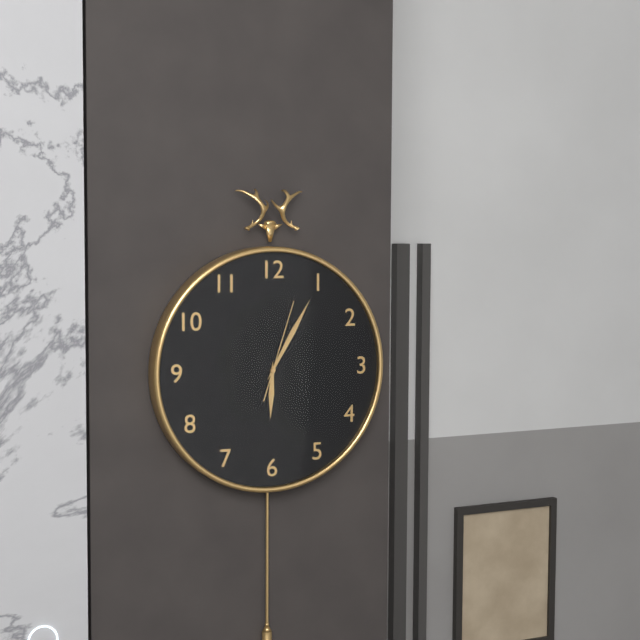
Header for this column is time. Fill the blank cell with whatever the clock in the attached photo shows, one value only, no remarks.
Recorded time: 6:05:03
